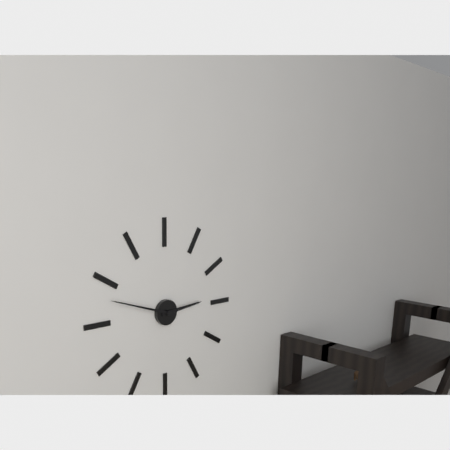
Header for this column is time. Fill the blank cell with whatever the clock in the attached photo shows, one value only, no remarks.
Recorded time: 2:48
